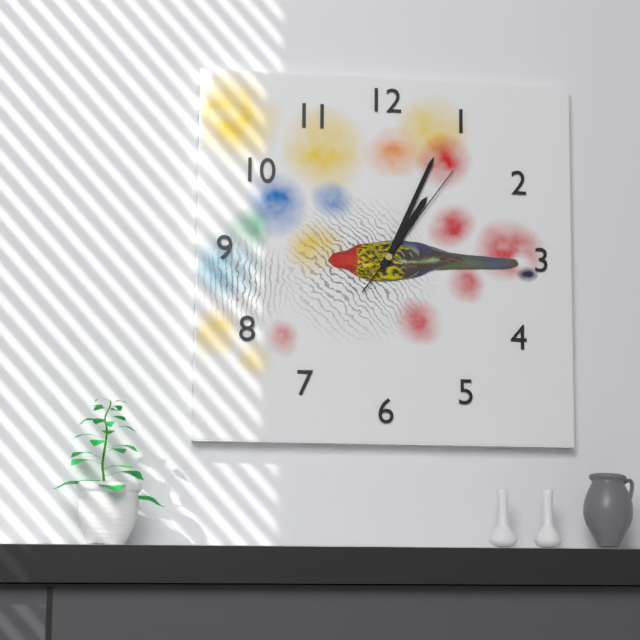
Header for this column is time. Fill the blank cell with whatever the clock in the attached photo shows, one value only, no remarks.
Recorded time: 1:04:06
